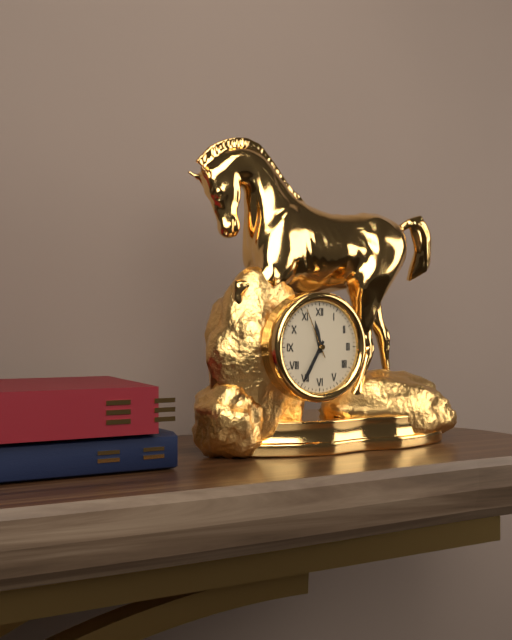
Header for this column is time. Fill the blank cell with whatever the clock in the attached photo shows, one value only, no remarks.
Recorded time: 11:35:56
